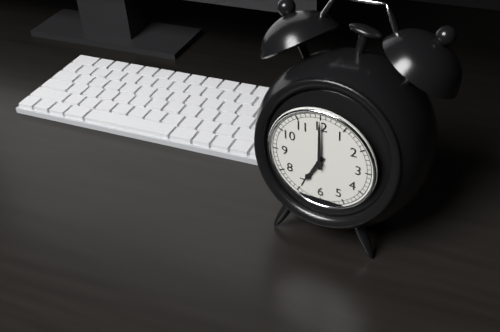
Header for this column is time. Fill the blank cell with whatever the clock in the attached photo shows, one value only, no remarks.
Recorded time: 7:00
